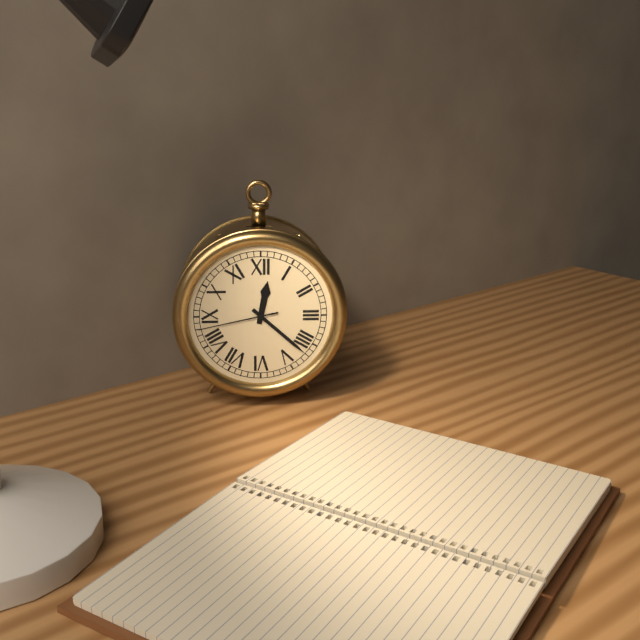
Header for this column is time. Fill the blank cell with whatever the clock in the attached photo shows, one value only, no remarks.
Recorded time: 12:22:43
